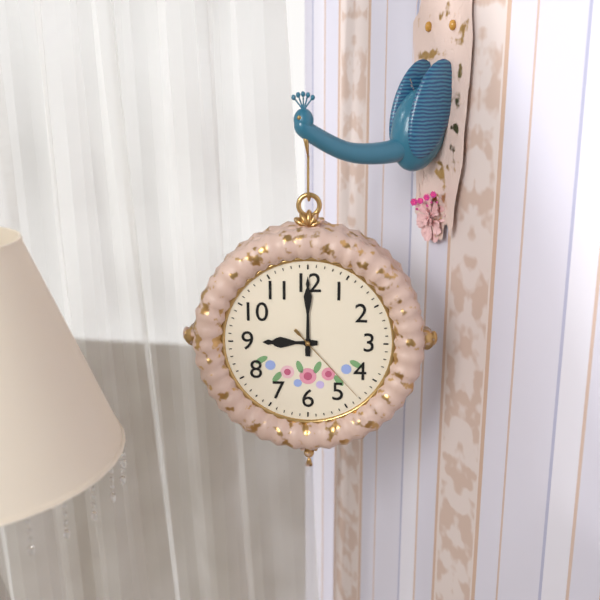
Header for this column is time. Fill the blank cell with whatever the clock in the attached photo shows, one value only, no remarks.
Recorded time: 9:00:23
